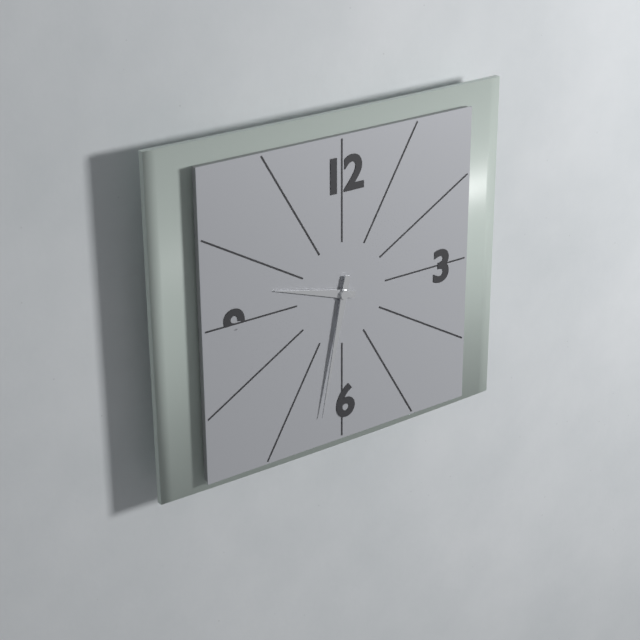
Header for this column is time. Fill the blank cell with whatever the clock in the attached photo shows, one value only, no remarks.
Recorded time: 9:32
